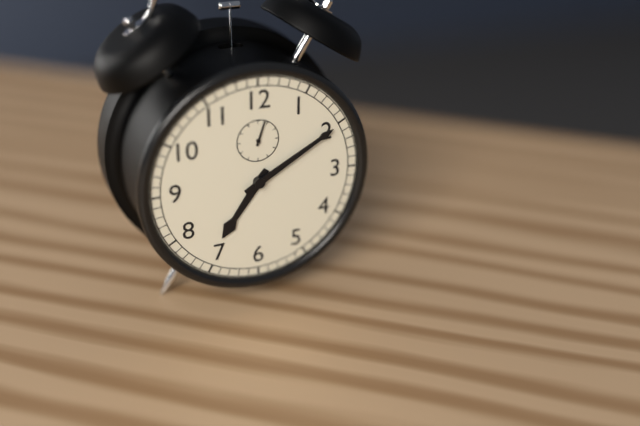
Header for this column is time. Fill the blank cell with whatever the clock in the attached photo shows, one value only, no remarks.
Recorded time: 7:10
